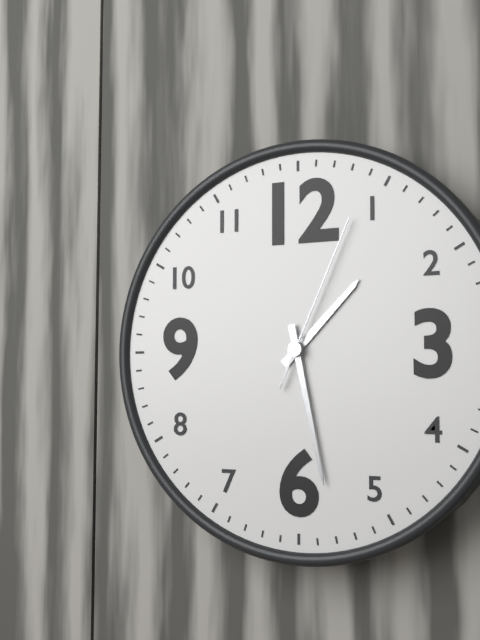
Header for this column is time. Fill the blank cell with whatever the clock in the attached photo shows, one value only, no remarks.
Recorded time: 1:28:04
